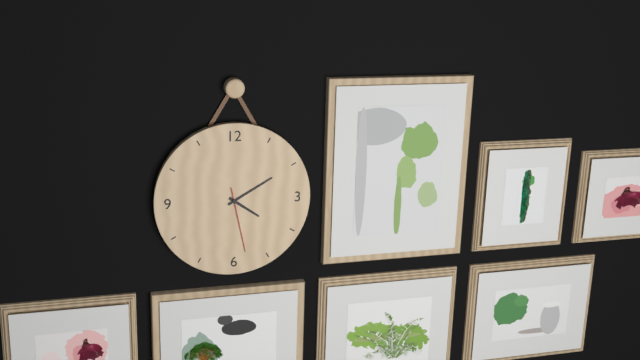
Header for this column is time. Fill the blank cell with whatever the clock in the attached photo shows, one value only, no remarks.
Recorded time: 4:10:28
